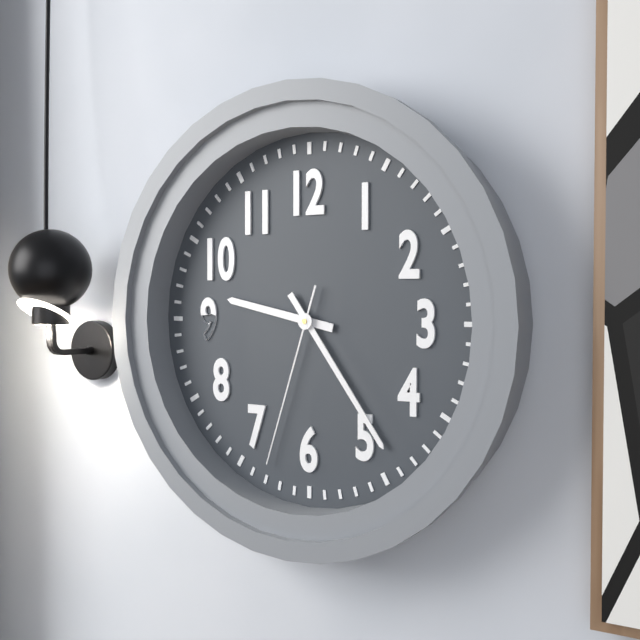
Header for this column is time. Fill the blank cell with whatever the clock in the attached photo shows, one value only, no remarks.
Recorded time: 9:24:33
